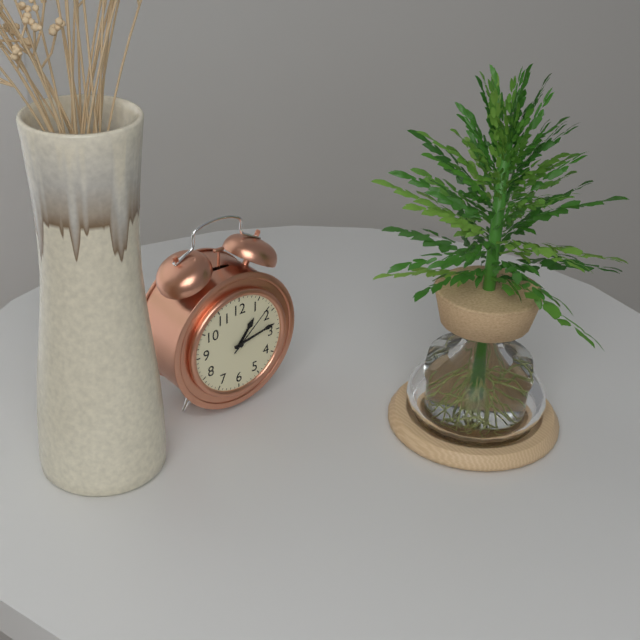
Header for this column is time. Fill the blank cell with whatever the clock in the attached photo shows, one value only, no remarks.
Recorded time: 1:13:08
